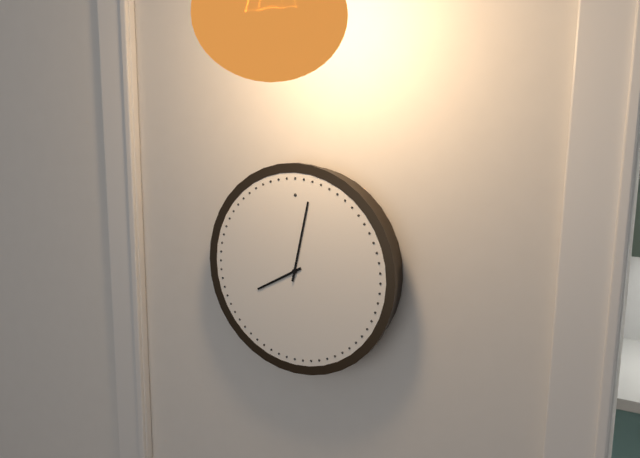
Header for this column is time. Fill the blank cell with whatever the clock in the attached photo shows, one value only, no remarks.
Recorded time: 8:02
